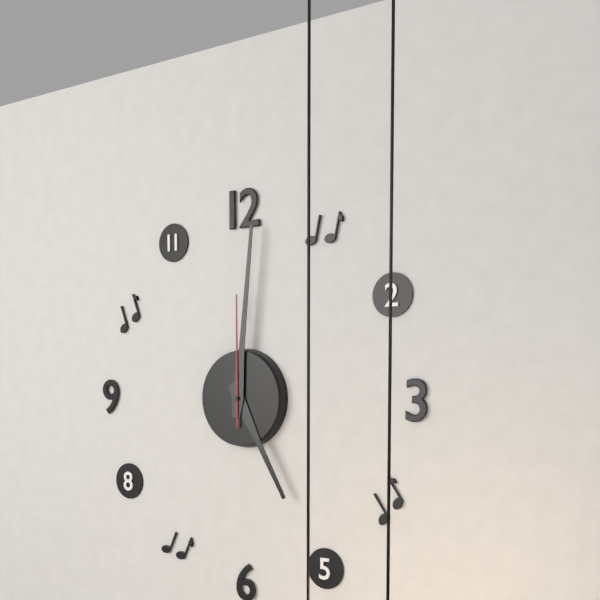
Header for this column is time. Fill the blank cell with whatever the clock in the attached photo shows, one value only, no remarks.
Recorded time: 5:01:00
